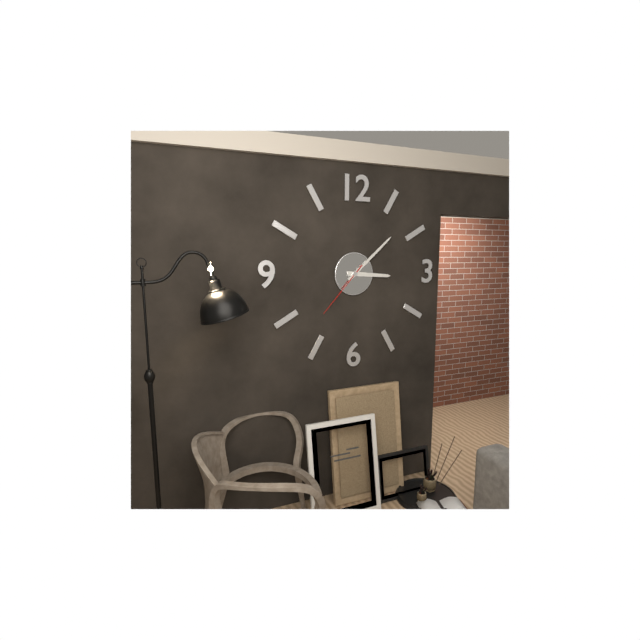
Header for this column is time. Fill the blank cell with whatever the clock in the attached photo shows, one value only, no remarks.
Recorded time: 3:08:37
